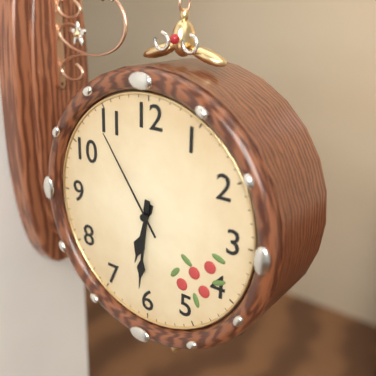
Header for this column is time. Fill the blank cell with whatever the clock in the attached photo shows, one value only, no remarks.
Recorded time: 6:31:54
